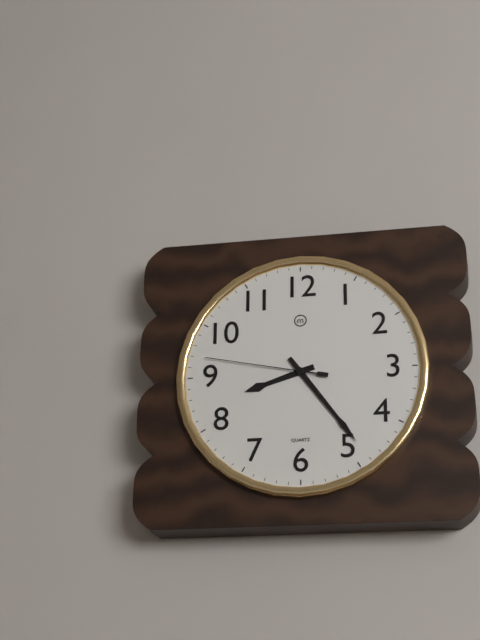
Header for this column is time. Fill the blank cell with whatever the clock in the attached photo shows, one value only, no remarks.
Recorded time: 8:24:47
